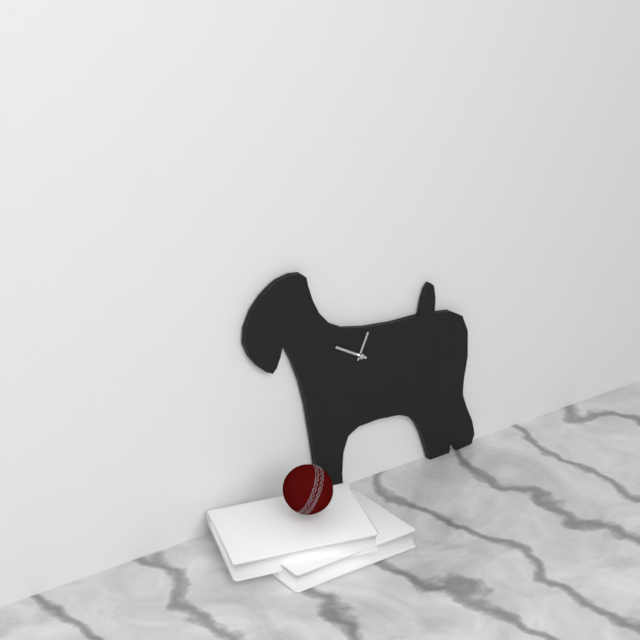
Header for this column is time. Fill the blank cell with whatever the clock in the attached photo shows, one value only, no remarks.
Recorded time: 12:50
